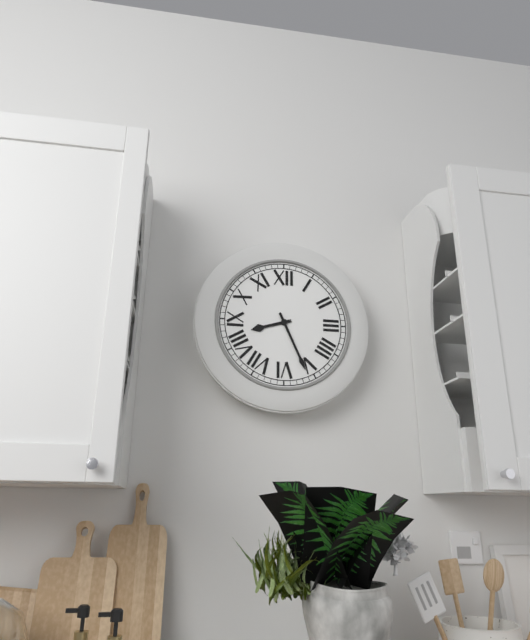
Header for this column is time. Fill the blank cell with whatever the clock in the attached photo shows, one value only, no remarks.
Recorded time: 8:26
